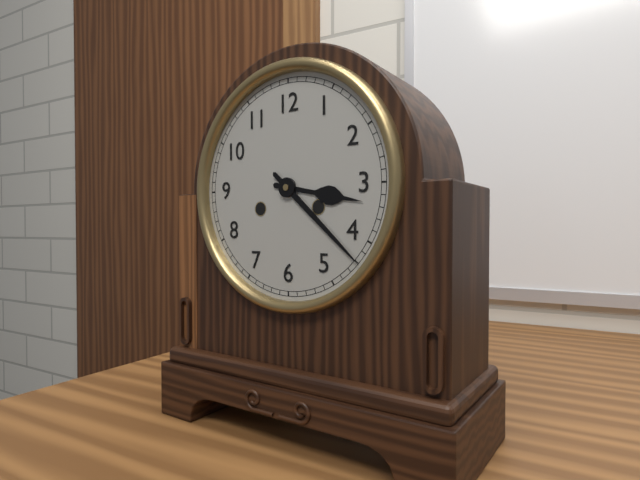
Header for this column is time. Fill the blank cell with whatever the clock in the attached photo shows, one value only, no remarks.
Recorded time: 3:22
